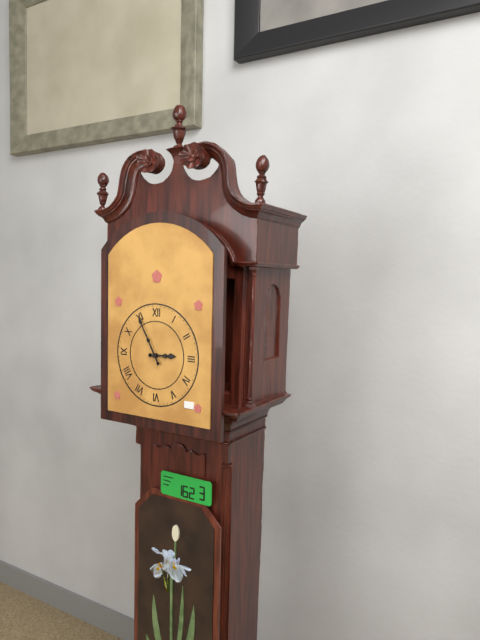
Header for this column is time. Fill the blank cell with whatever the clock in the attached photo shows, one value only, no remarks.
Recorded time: 2:55
